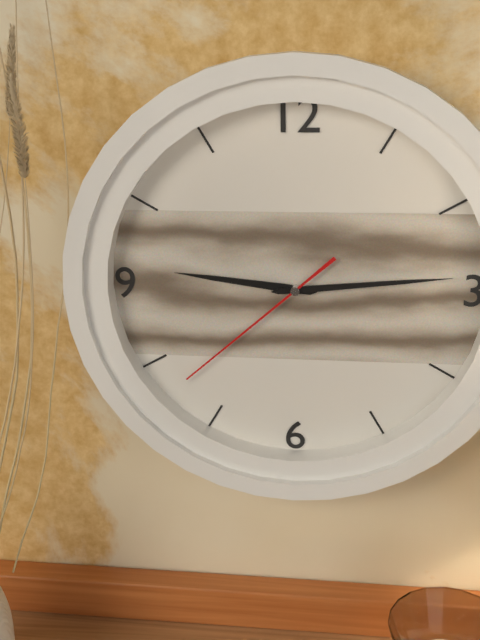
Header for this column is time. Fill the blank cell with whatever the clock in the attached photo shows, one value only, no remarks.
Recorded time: 9:14:38
